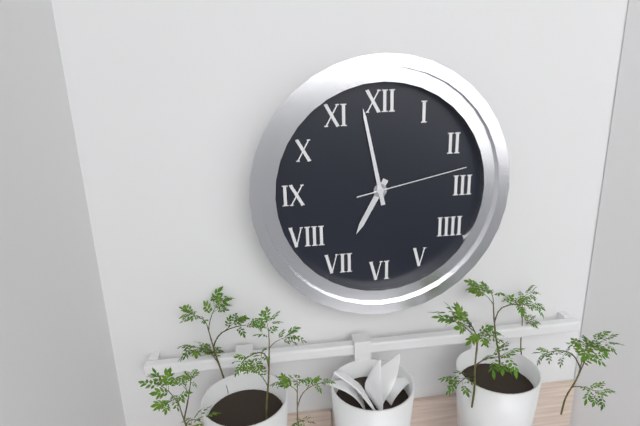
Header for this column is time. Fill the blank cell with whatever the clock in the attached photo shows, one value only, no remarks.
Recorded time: 6:58:13
